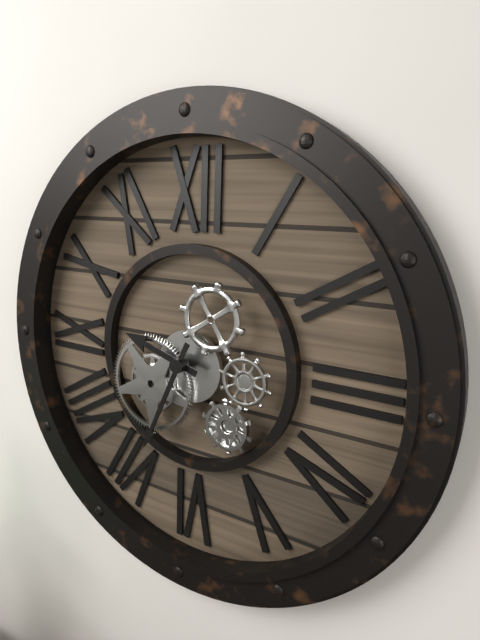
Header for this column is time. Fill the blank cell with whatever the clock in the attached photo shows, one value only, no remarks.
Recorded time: 9:34
